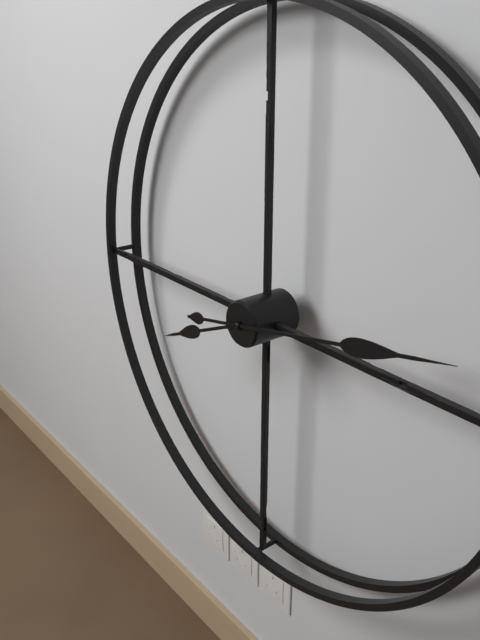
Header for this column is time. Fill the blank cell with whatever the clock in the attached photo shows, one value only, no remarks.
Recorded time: 8:13
